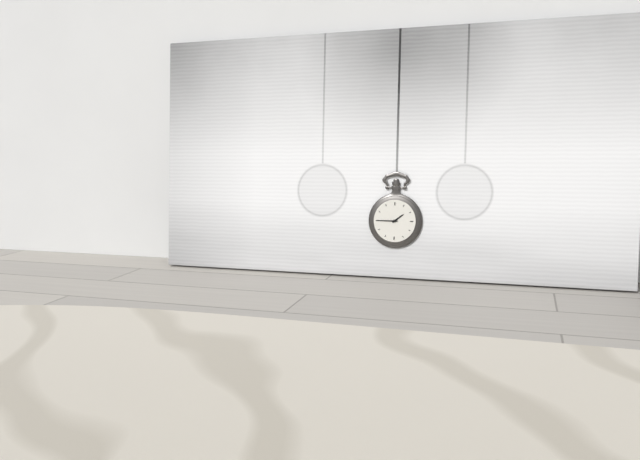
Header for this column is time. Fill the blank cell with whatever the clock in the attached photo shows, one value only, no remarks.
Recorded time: 1:45
